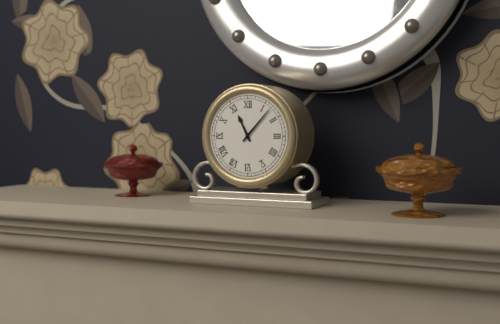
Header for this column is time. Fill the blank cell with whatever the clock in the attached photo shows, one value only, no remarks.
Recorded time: 11:07
